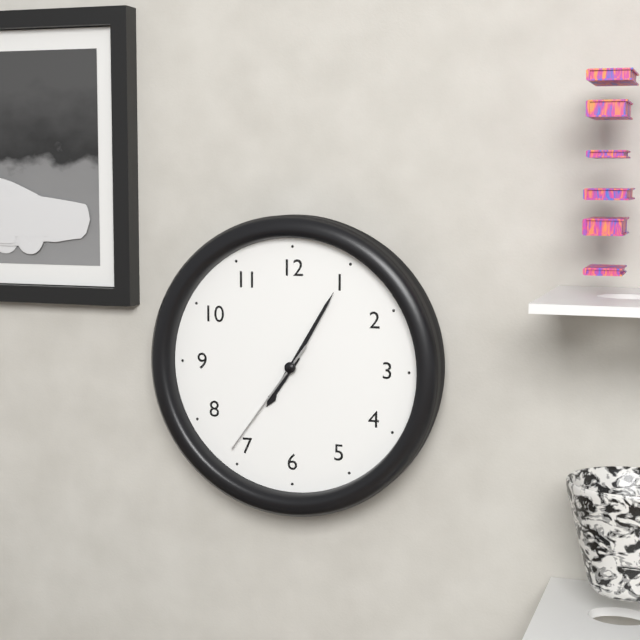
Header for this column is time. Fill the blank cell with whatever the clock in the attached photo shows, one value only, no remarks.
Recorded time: 7:05:36
